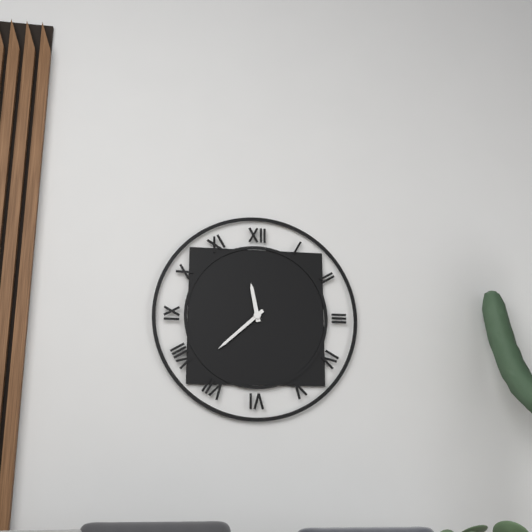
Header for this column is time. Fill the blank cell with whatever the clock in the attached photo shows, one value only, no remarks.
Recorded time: 11:38
